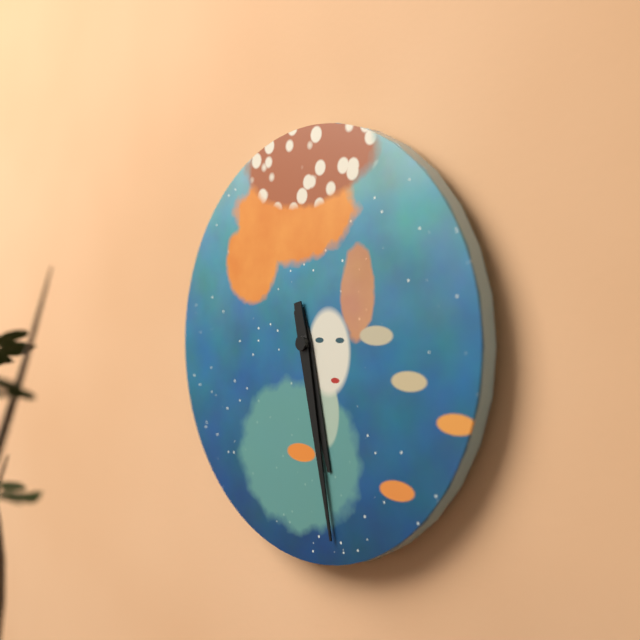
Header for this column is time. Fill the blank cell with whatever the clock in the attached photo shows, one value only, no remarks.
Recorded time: 5:28
